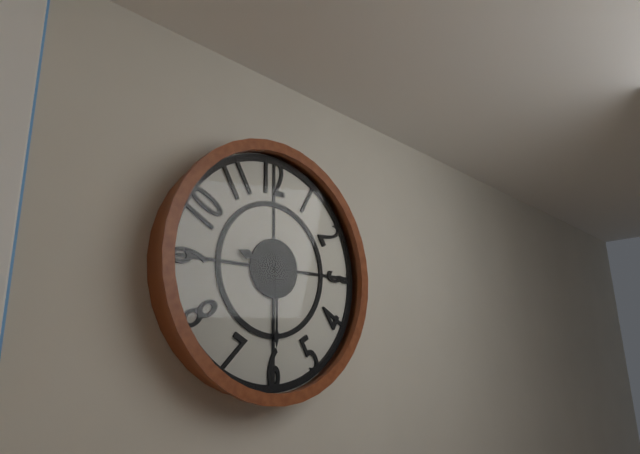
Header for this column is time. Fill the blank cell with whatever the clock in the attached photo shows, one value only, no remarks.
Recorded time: 9:30
